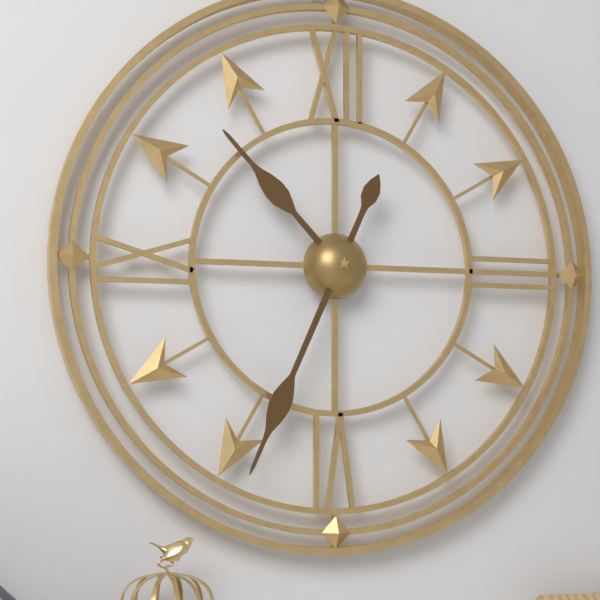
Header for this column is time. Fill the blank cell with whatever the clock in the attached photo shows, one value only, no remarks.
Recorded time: 10:34
